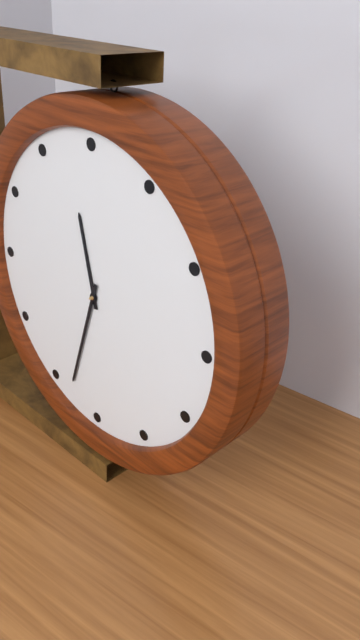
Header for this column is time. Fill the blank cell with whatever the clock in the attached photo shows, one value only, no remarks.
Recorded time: 11:33
